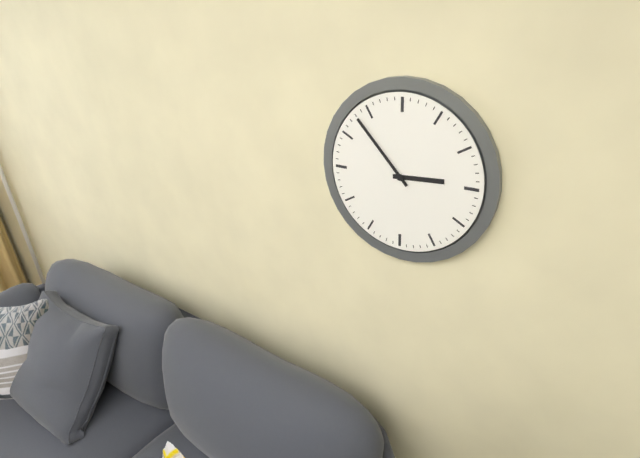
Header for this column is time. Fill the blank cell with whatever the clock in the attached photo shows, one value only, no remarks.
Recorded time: 2:53
